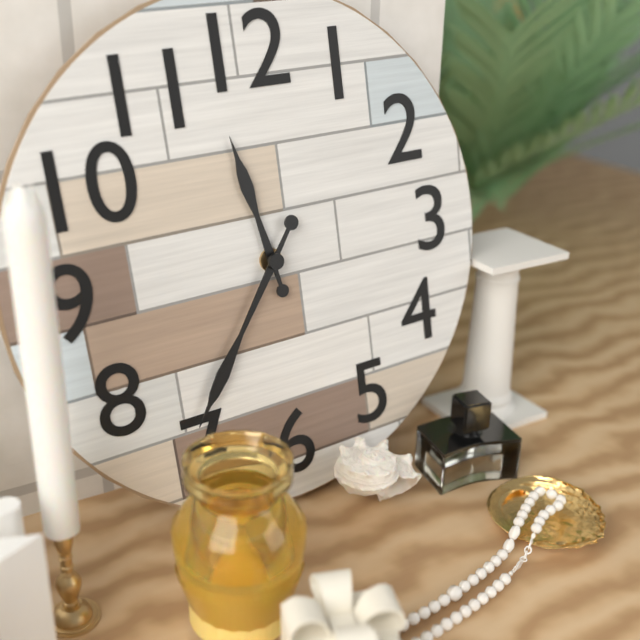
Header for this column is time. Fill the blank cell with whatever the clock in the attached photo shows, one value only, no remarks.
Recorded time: 11:36
